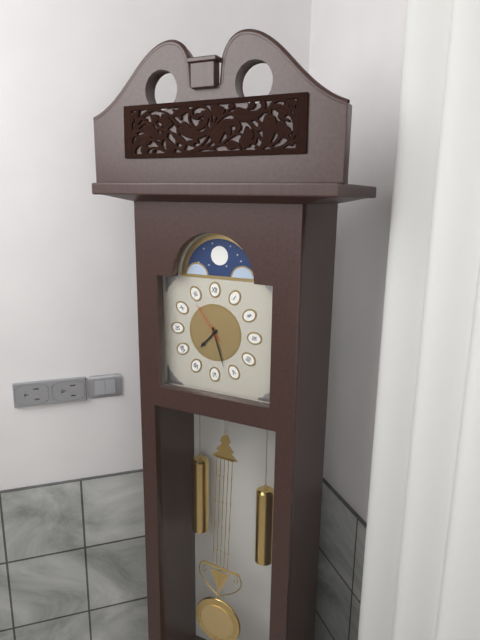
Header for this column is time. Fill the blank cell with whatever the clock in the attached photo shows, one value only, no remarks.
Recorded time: 7:27
